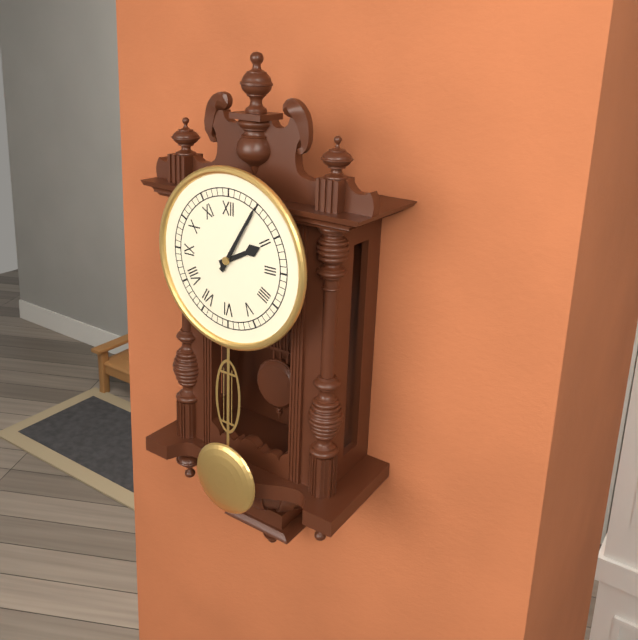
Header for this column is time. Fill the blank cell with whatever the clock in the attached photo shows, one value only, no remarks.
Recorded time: 2:05
